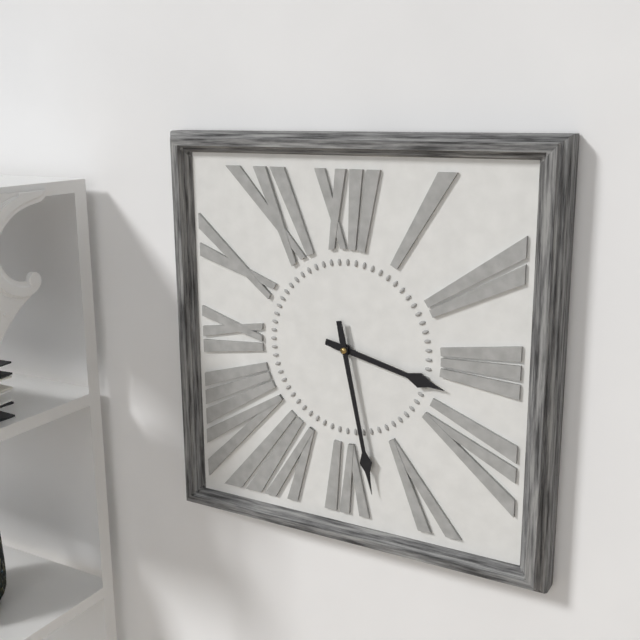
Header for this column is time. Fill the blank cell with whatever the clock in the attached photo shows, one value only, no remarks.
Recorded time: 3:28
